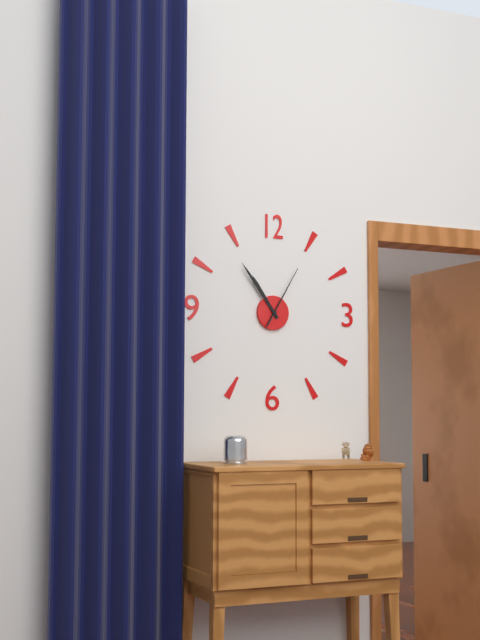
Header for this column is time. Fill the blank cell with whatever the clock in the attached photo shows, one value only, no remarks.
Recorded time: 10:54:05
